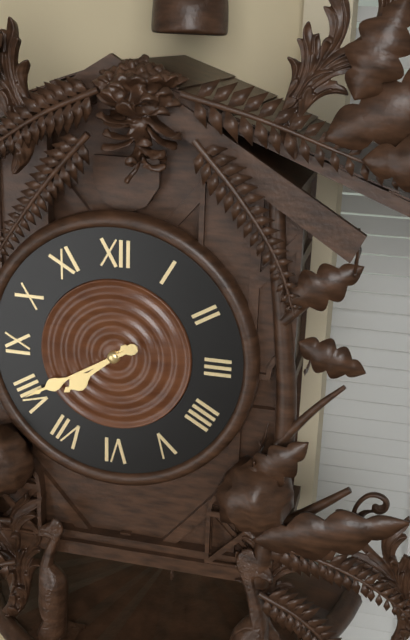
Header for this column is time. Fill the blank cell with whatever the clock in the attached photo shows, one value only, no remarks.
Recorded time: 7:40
